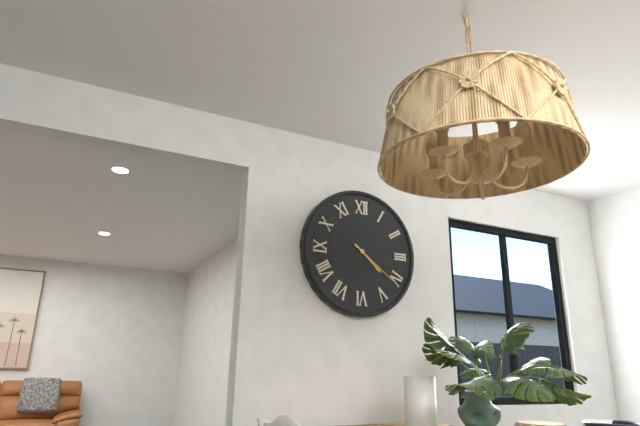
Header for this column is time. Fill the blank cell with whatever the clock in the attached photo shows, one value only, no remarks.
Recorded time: 4:21
